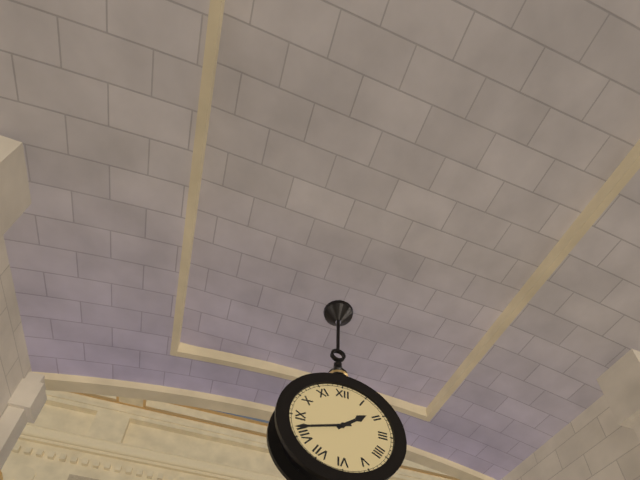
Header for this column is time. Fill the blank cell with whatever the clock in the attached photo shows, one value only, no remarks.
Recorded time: 1:42
